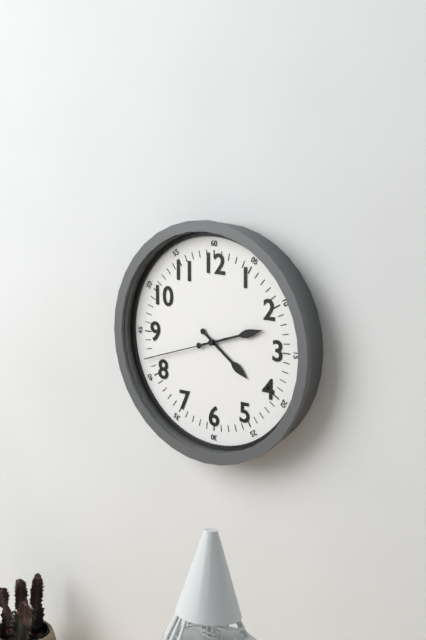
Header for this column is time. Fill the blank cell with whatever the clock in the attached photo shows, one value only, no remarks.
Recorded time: 4:12:42
